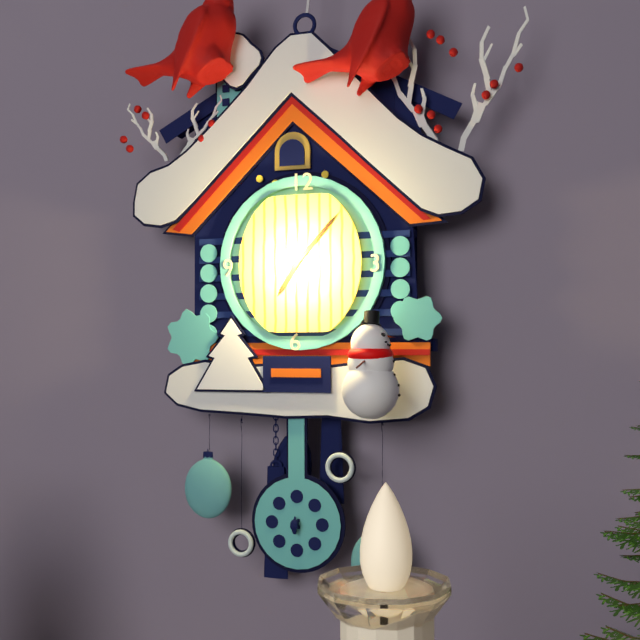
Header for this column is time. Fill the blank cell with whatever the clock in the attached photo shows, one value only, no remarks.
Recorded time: 7:07
